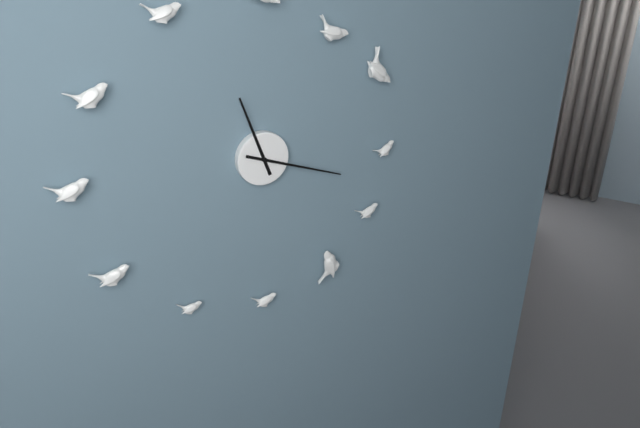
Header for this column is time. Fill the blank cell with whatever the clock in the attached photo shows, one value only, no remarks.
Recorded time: 11:18
